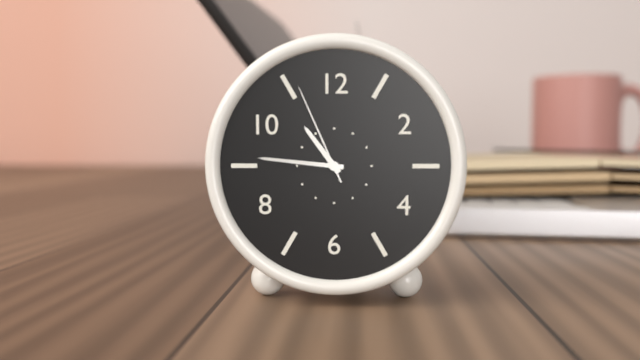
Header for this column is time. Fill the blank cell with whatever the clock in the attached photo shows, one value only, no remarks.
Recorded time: 10:46:56
